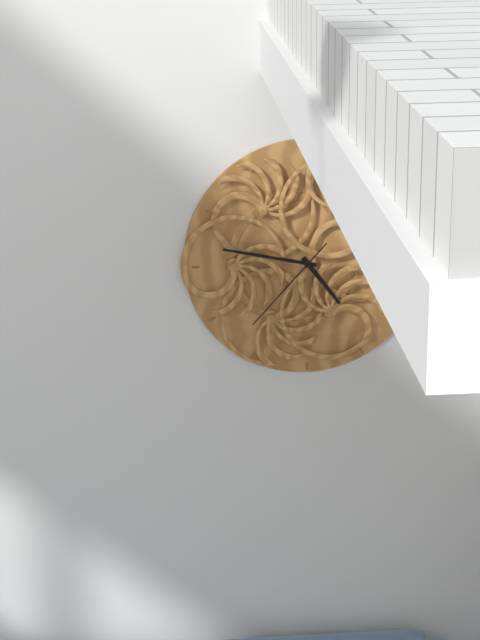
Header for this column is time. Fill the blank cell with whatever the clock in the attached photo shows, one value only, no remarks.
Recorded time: 4:47:37
